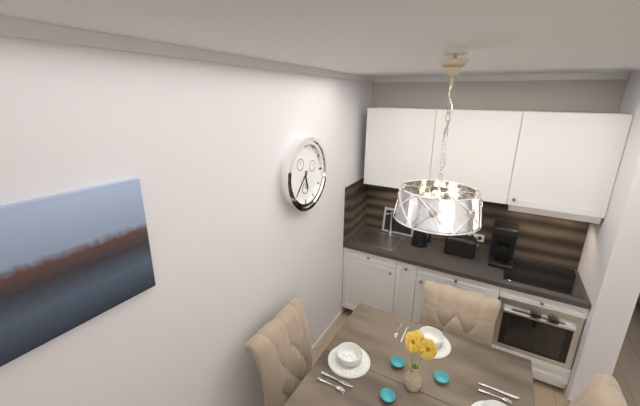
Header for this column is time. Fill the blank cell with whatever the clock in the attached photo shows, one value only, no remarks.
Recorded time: 5:37
